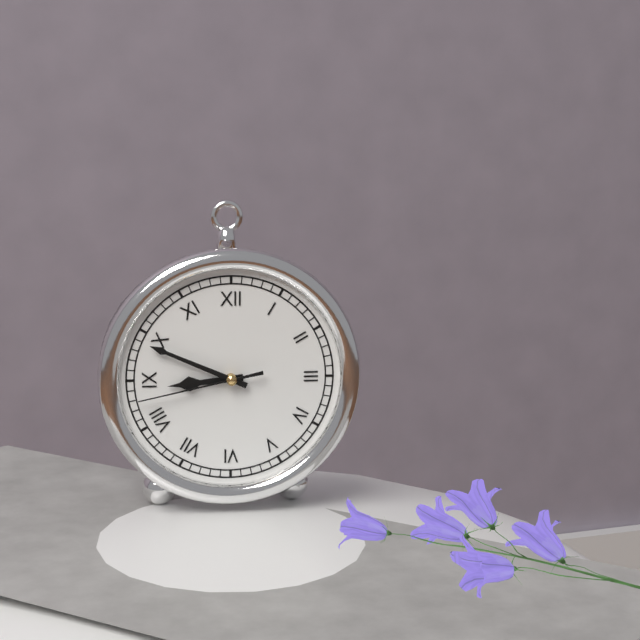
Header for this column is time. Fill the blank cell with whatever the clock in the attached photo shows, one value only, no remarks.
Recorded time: 8:49:43
